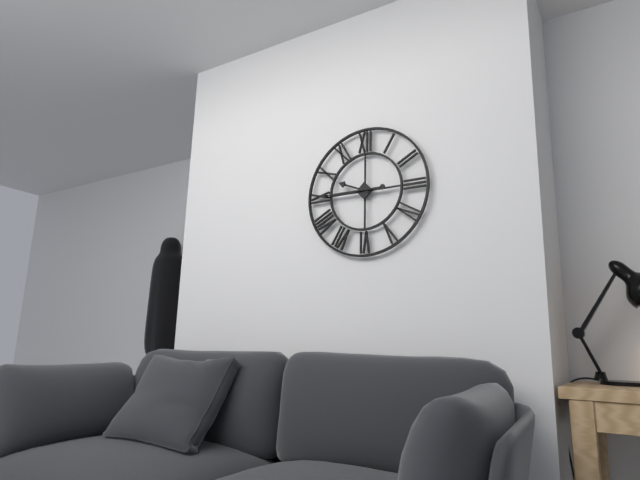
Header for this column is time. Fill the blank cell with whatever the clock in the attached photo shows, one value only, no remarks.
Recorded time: 9:45
